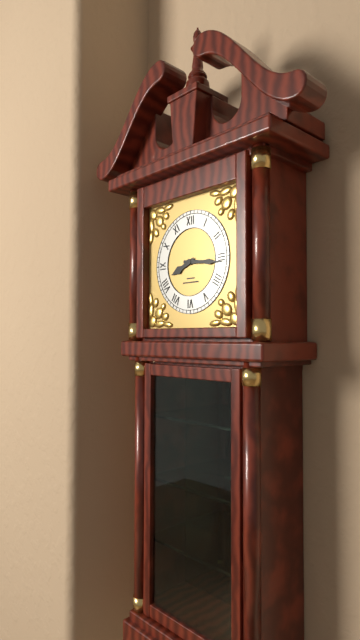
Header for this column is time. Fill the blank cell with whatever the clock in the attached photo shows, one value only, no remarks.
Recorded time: 8:16
